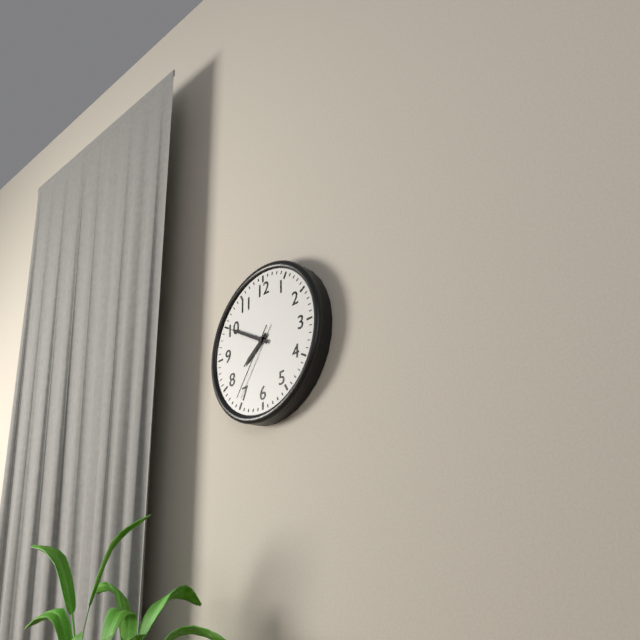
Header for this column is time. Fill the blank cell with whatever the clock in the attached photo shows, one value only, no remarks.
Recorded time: 7:50:36
